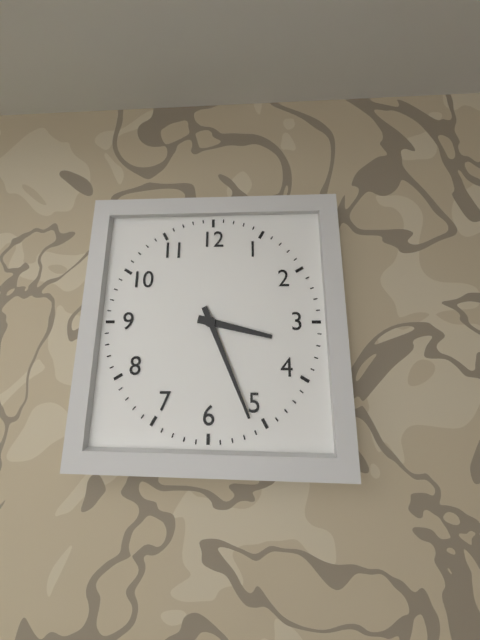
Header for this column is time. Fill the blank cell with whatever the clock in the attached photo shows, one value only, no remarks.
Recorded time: 3:26
